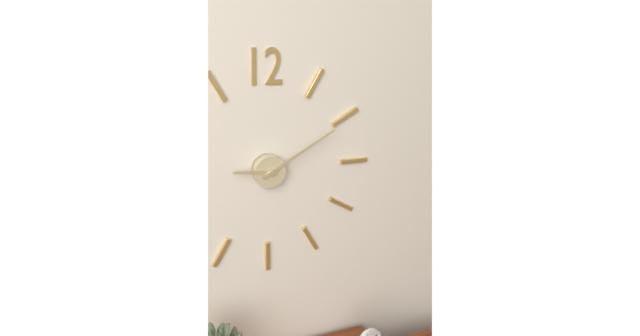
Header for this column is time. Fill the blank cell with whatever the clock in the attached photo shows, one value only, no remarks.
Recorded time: 9:10
